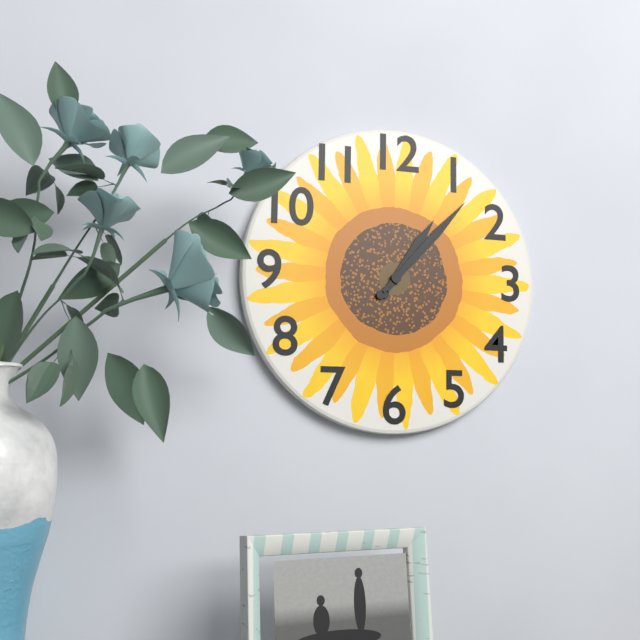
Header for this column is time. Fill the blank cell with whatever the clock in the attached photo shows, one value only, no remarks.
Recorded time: 1:07
